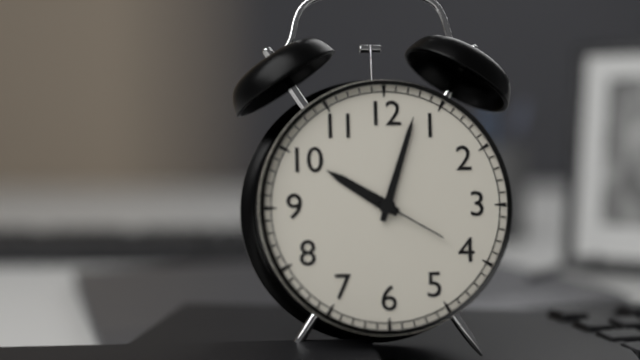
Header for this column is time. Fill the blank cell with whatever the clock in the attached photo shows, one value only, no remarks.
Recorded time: 10:03:20
